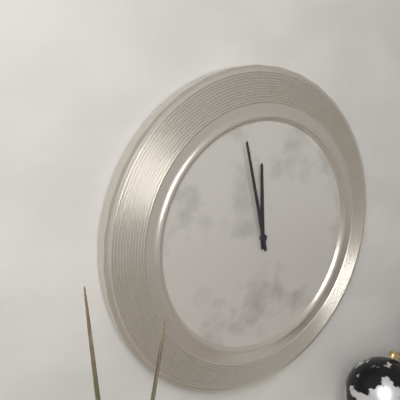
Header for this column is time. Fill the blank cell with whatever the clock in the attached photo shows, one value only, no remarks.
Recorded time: 11:58
